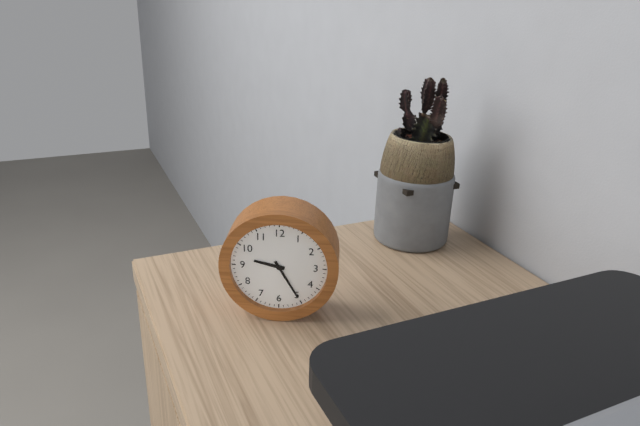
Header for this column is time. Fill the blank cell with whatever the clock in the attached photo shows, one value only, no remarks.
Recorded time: 9:25
